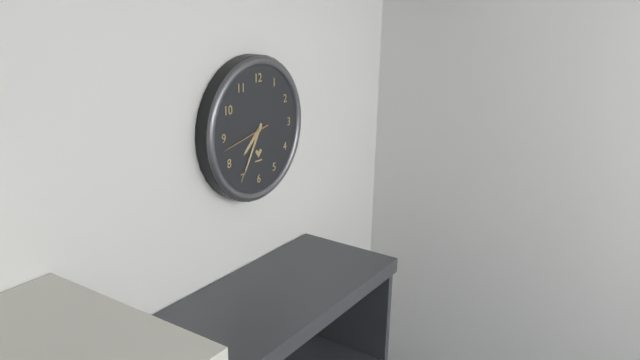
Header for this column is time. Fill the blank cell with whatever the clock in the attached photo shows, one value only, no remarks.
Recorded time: 7:35:43
